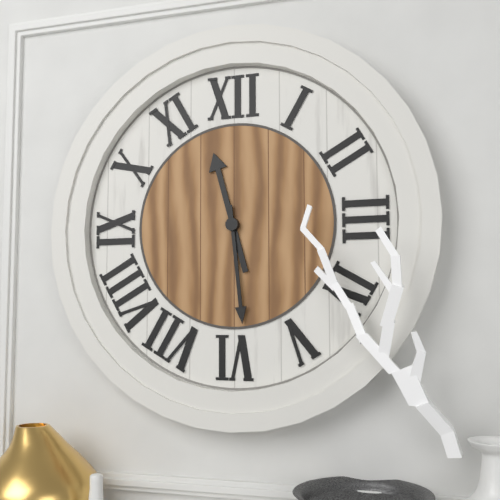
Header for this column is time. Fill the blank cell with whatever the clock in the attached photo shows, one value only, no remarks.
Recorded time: 11:29
